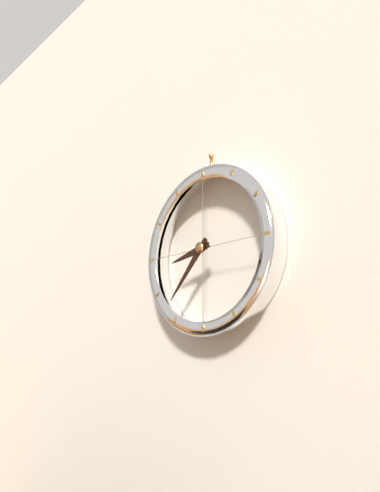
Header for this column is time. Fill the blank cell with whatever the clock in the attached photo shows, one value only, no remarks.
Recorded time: 8:37
